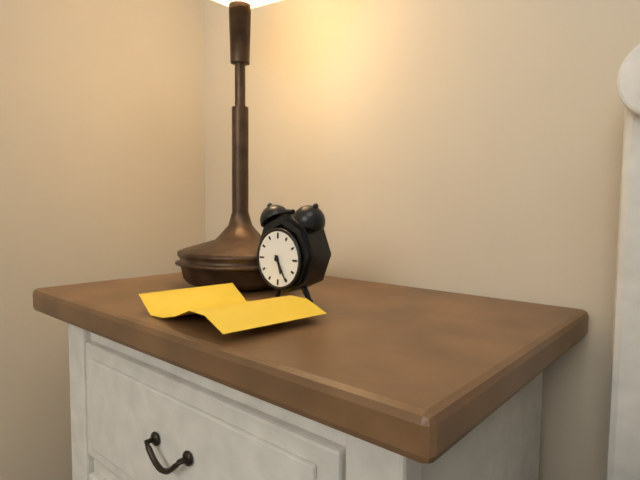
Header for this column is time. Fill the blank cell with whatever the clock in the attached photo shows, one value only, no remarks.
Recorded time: 5:25
